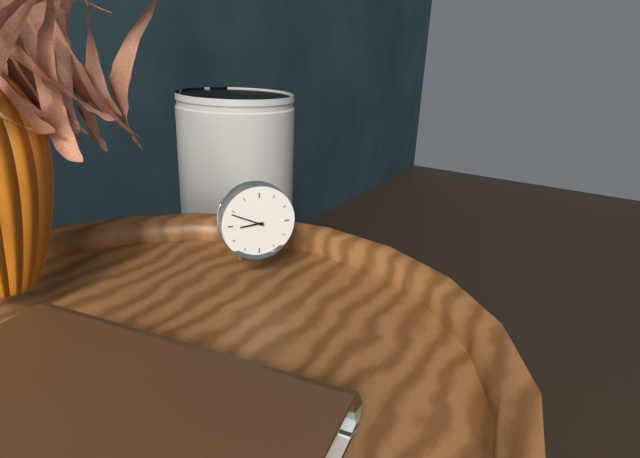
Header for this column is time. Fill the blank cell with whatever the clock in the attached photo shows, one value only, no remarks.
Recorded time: 8:49
